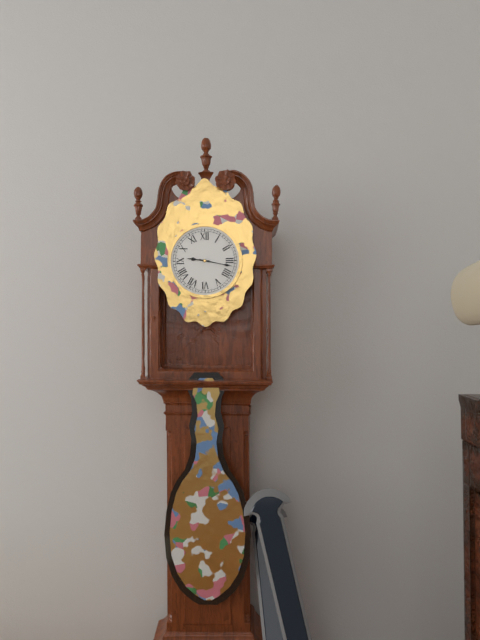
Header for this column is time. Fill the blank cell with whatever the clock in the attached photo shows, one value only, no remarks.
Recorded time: 9:17
